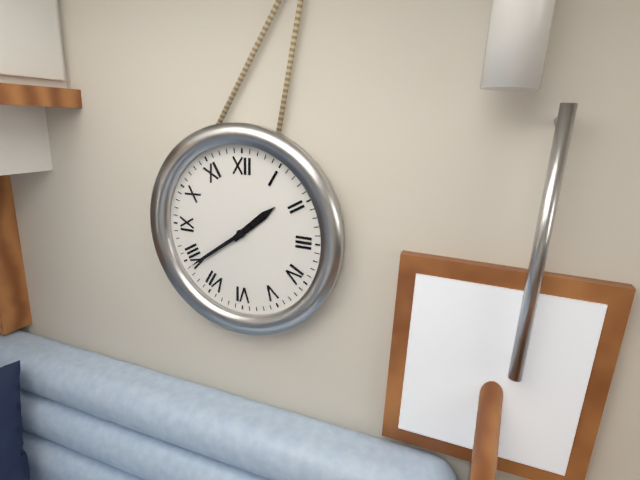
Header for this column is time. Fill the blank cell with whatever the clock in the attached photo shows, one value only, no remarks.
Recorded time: 1:39
